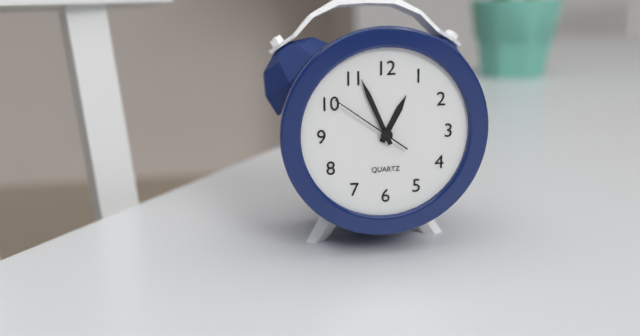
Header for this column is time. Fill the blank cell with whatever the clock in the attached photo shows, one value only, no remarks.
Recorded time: 12:56:51
